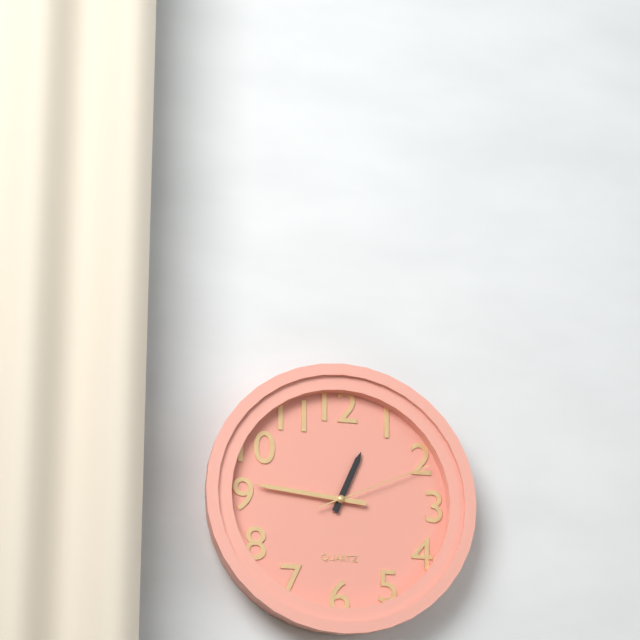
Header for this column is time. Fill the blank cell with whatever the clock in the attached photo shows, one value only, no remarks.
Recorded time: 12:46:11
